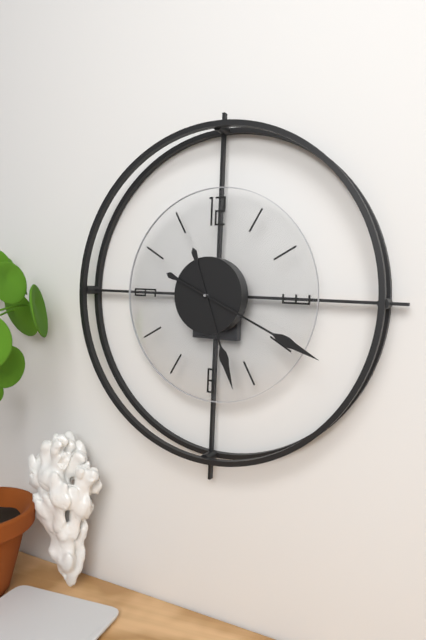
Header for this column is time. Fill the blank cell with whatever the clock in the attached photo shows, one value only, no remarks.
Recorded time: 5:19
